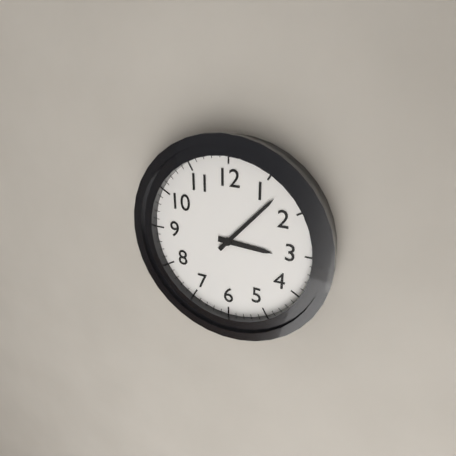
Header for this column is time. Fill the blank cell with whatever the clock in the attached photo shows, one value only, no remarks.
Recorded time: 3:07
